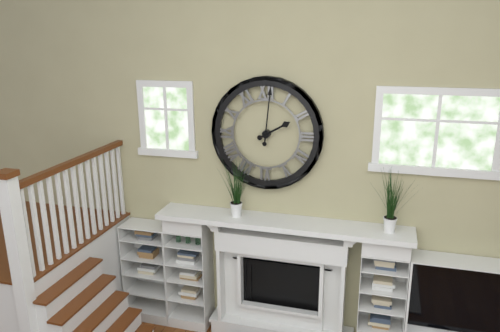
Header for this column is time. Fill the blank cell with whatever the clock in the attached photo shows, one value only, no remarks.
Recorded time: 2:01
